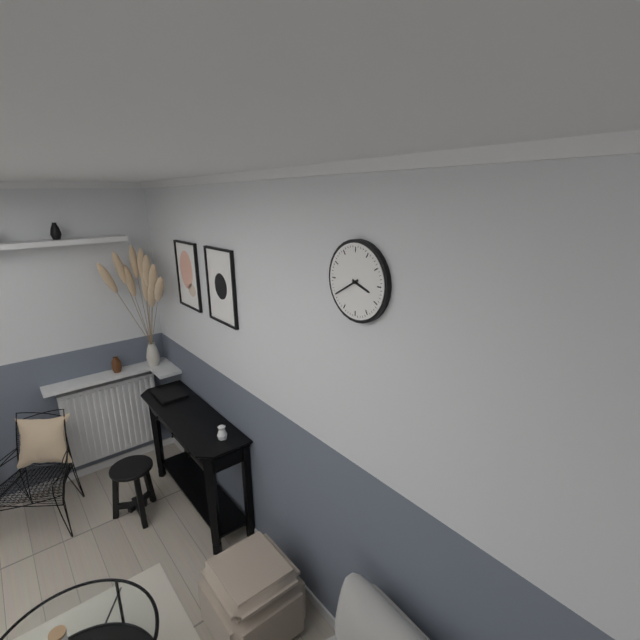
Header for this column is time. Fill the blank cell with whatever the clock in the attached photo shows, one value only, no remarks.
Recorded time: 3:40
